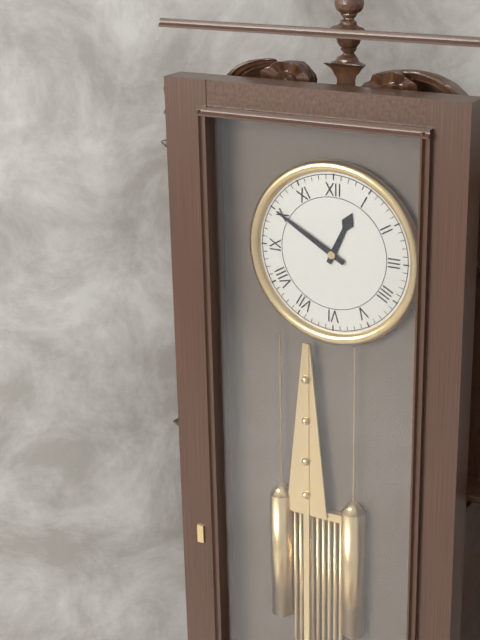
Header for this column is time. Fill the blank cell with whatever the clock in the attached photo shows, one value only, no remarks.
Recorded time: 12:50
